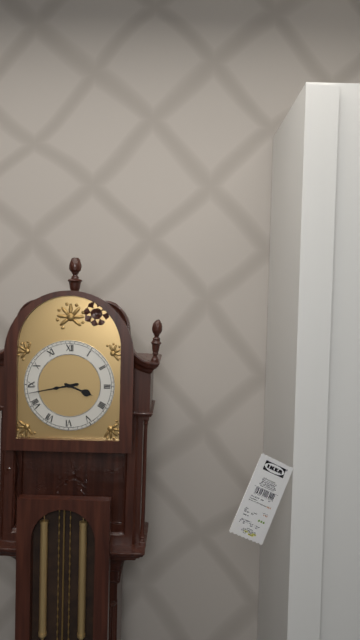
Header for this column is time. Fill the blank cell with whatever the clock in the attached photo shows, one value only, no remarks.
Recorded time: 3:43
